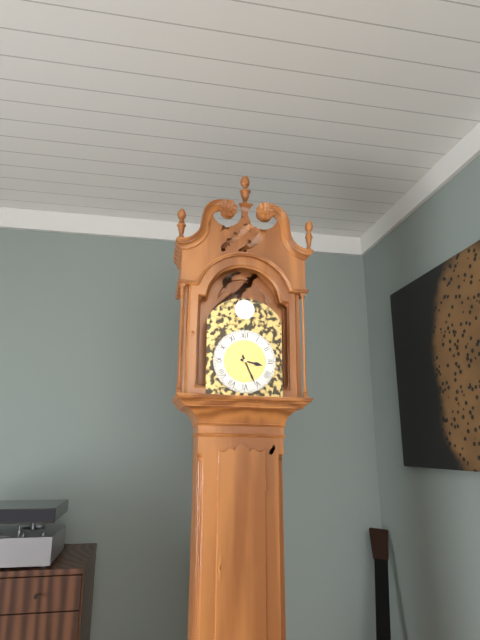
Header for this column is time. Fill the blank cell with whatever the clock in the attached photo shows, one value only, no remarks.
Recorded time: 3:26
